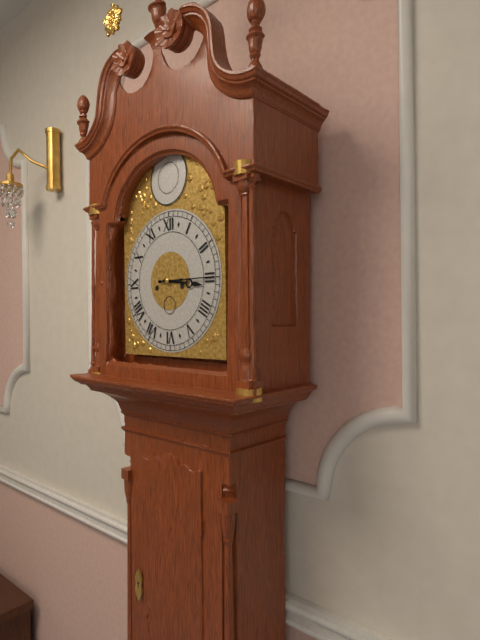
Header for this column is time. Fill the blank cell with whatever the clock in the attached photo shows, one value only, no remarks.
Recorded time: 3:15
